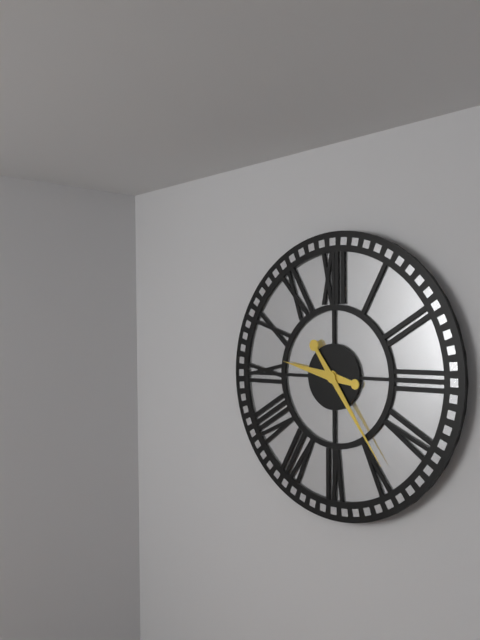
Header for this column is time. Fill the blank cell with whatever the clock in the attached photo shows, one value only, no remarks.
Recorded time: 9:24
